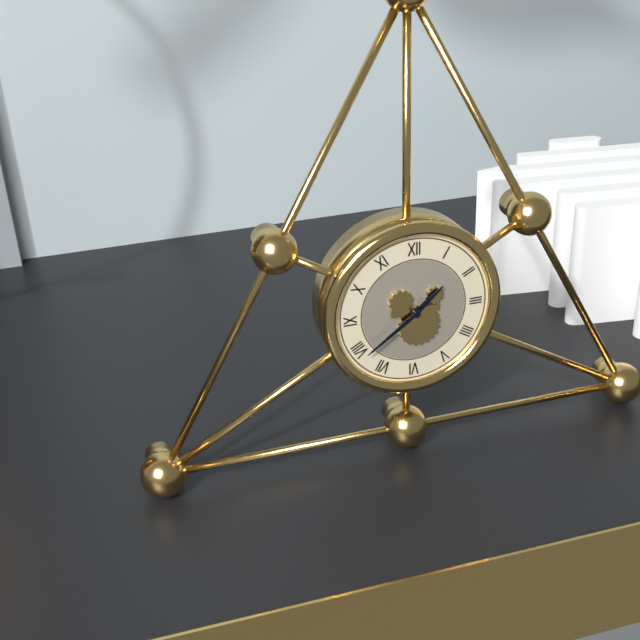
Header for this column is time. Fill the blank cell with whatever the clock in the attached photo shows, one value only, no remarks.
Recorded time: 1:39
